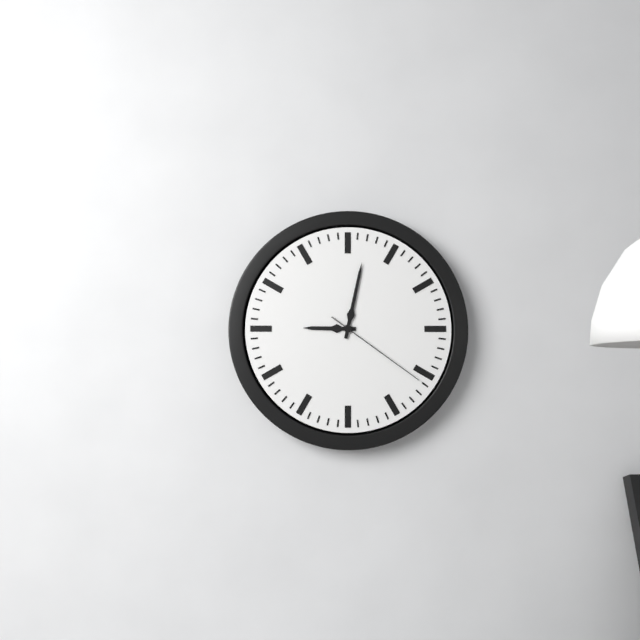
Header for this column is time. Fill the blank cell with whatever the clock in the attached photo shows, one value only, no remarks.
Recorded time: 9:02:21
